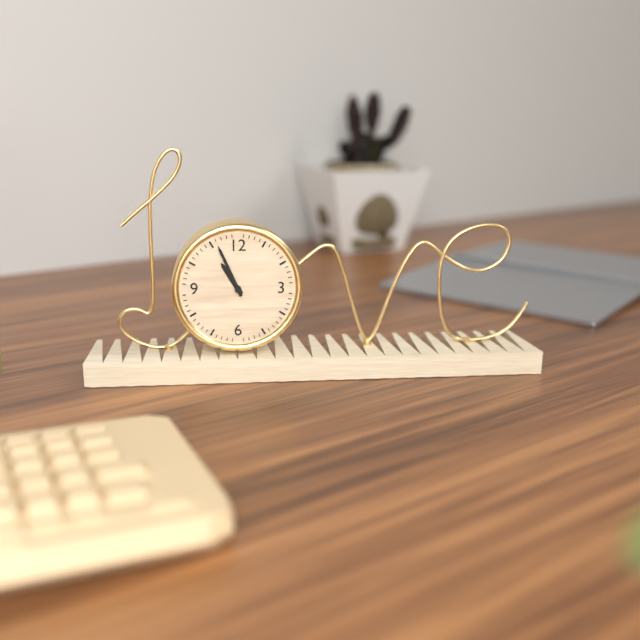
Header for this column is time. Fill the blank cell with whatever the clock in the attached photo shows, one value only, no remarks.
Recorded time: 10:56
